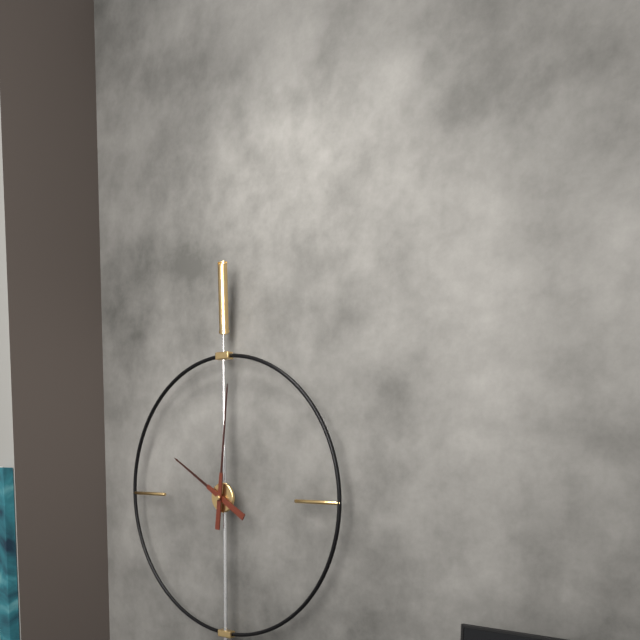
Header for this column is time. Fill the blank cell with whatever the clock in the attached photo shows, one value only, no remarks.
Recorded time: 10:01
